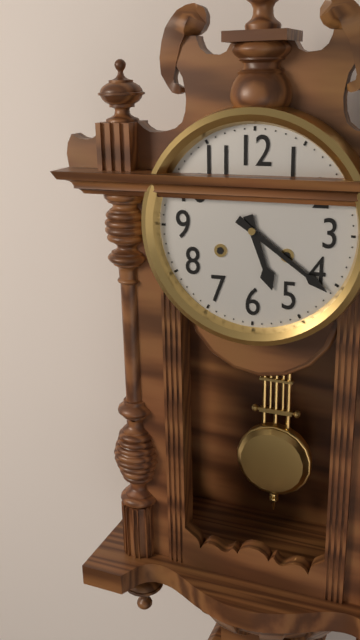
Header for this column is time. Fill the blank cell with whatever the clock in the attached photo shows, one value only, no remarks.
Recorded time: 5:21
